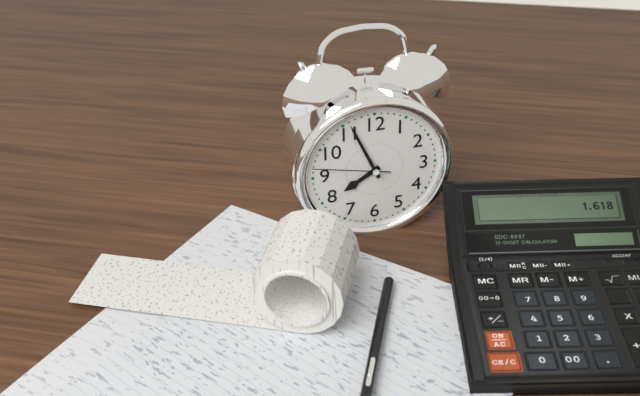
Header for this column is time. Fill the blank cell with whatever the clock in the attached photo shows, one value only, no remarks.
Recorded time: 7:56:47
